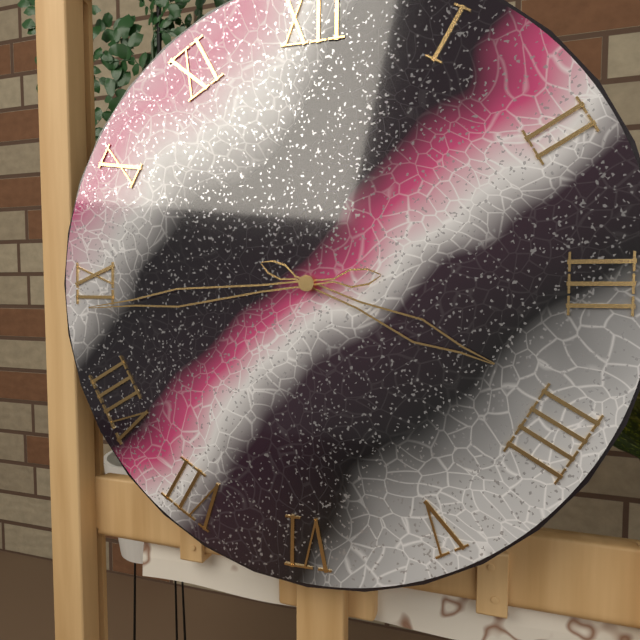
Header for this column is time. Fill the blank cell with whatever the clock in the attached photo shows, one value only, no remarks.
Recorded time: 3:44
